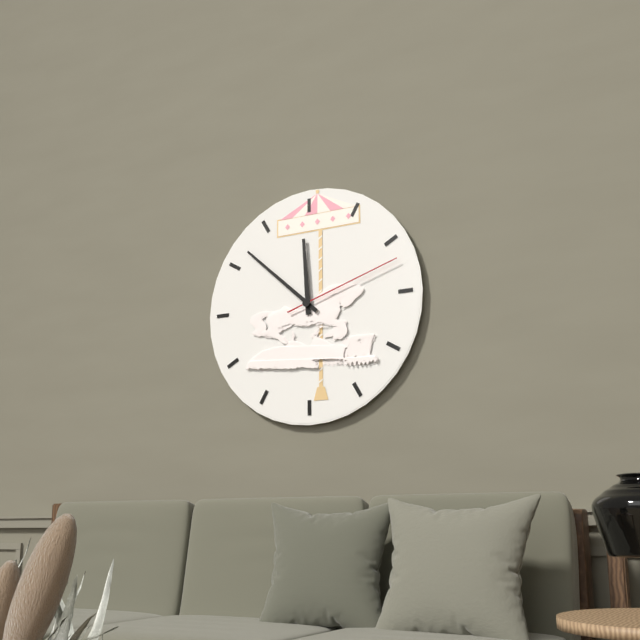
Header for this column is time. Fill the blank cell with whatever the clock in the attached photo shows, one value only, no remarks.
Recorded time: 11:52:12
